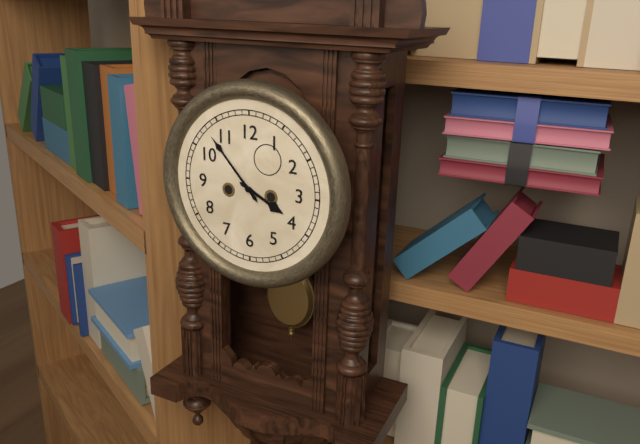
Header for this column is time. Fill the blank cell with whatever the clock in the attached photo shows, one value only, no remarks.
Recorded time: 3:53
